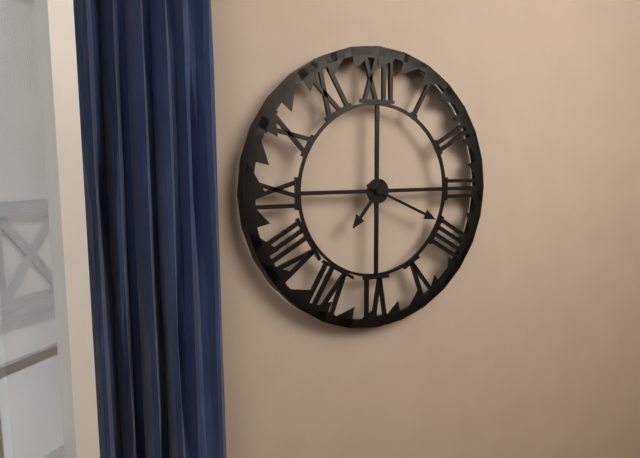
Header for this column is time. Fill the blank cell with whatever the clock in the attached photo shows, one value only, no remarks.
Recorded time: 7:19
